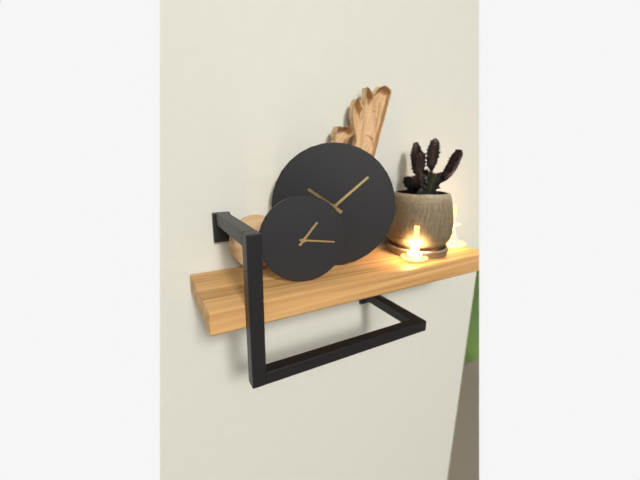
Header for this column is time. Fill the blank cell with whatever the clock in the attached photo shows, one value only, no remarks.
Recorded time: 1:16
